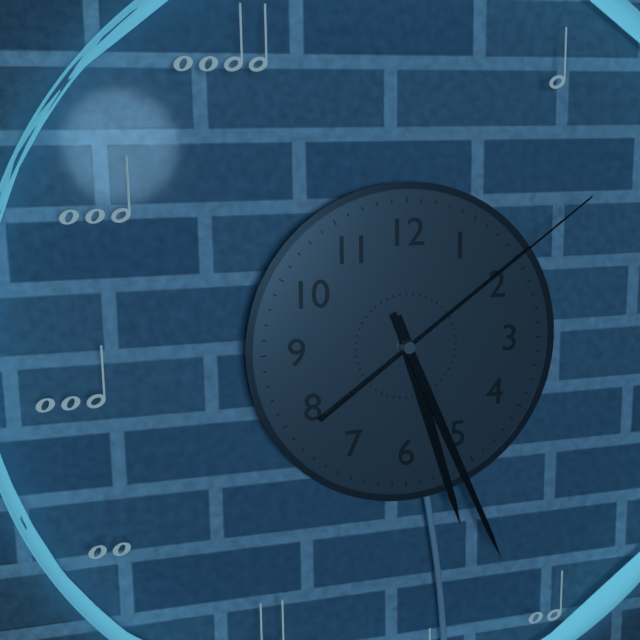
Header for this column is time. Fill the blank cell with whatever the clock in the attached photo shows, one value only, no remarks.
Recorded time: 5:26:09
